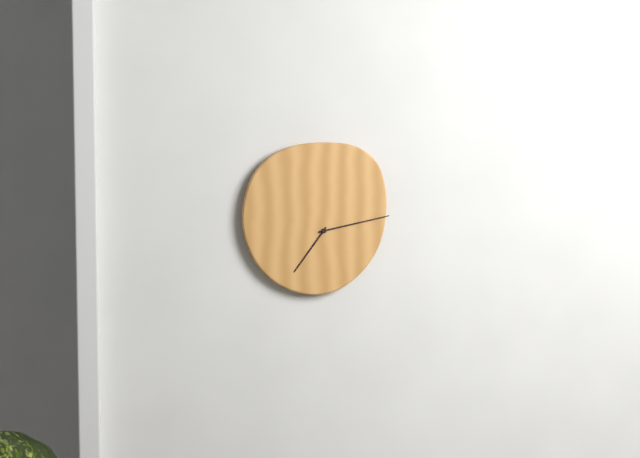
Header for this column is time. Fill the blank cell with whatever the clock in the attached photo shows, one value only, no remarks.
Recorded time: 7:13
